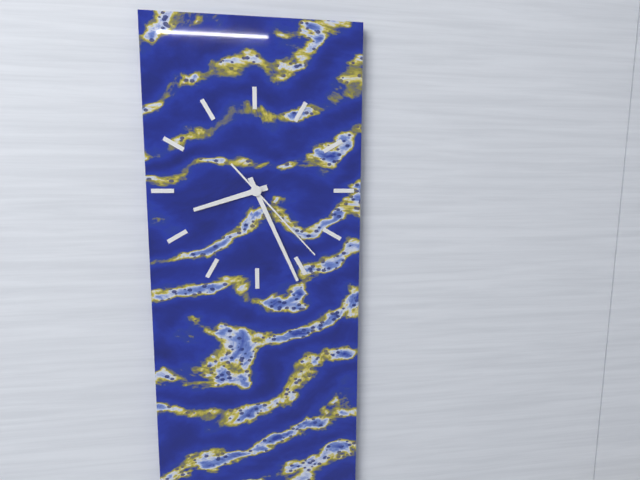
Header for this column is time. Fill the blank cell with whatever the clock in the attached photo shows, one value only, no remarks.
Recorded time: 8:26:23
